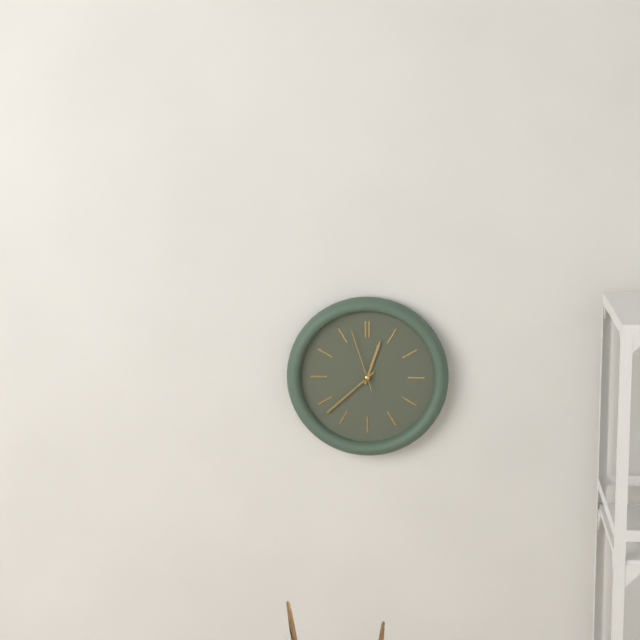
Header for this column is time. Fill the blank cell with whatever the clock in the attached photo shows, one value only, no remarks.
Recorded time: 12:38:57
